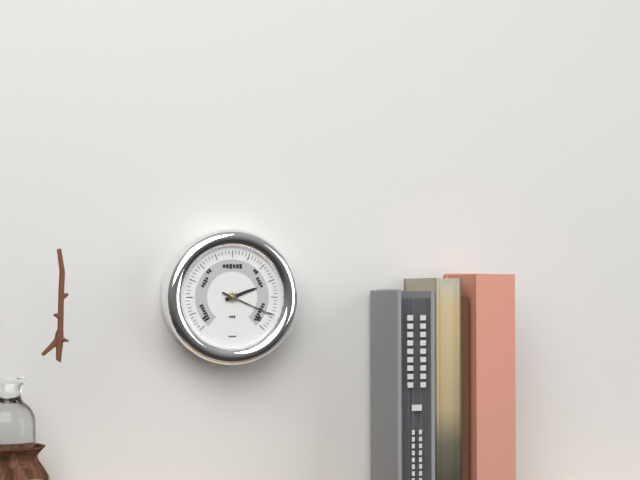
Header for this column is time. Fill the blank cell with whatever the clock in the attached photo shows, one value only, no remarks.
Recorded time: 2:19
